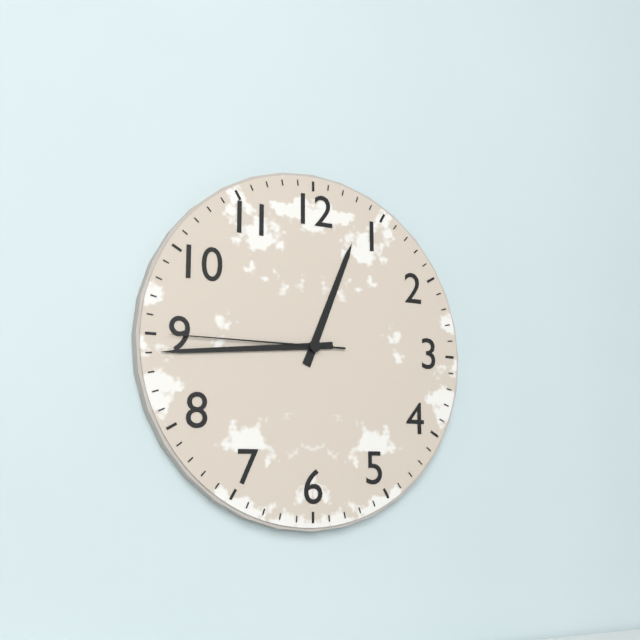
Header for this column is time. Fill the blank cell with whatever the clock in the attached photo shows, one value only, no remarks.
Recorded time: 12:44:45
